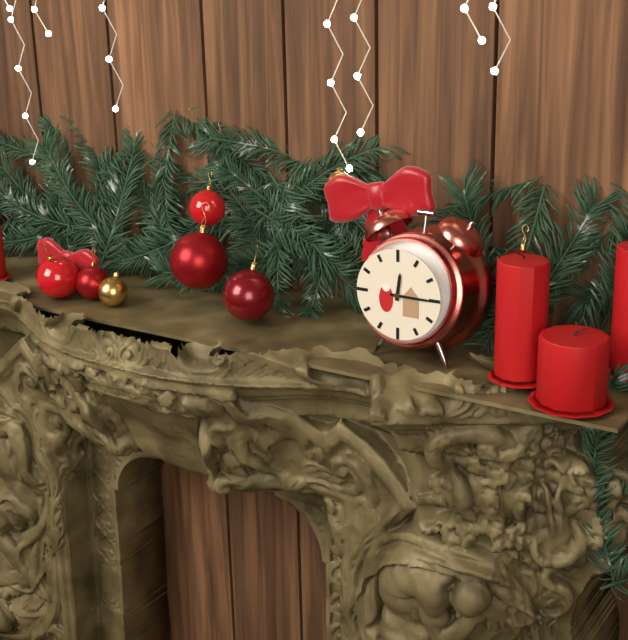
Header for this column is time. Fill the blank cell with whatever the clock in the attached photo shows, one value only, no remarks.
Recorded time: 12:15
